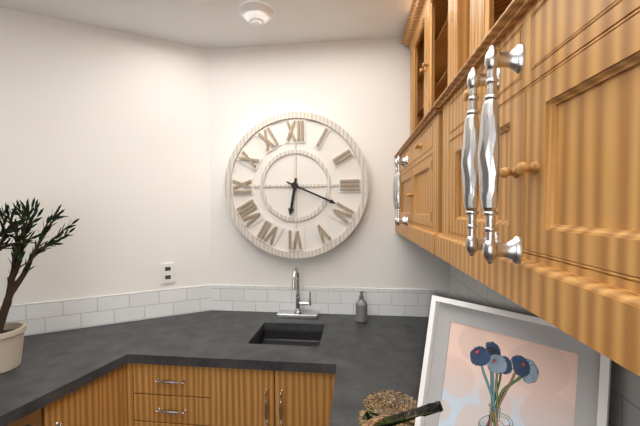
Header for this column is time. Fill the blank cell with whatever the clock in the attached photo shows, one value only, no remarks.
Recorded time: 6:19
